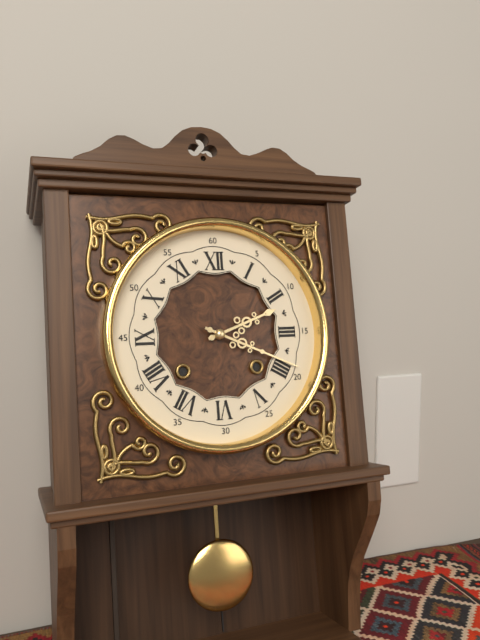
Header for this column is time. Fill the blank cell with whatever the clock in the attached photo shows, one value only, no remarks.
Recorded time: 2:19
